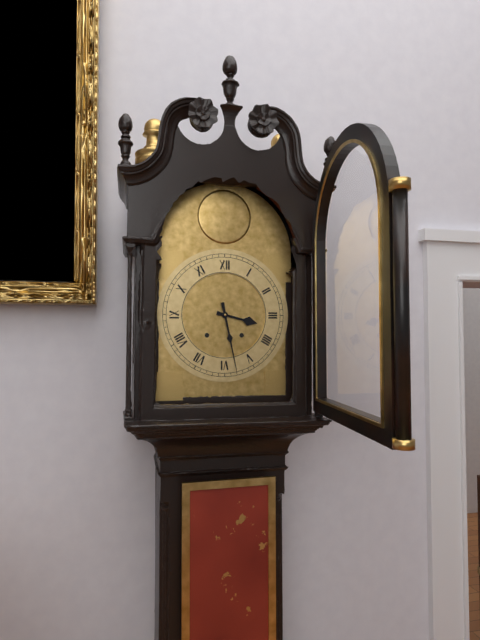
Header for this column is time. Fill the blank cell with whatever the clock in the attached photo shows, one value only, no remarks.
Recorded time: 3:28
